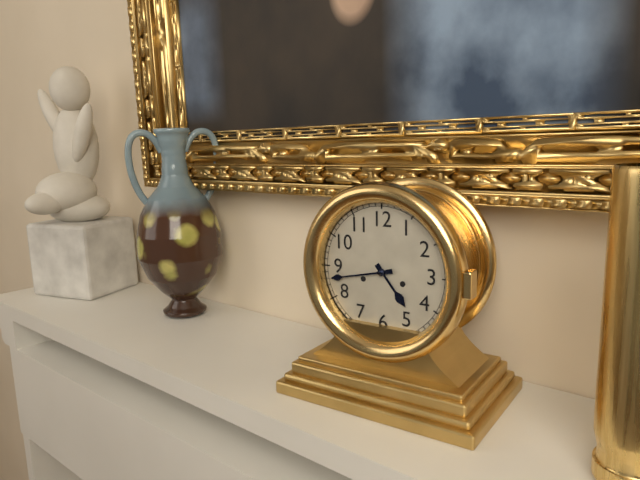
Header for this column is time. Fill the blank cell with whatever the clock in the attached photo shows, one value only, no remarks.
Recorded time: 4:43
